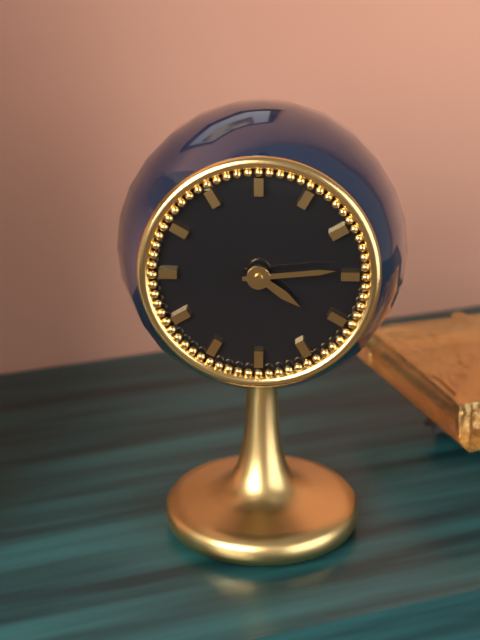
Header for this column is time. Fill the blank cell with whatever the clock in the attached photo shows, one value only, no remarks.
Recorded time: 4:14
